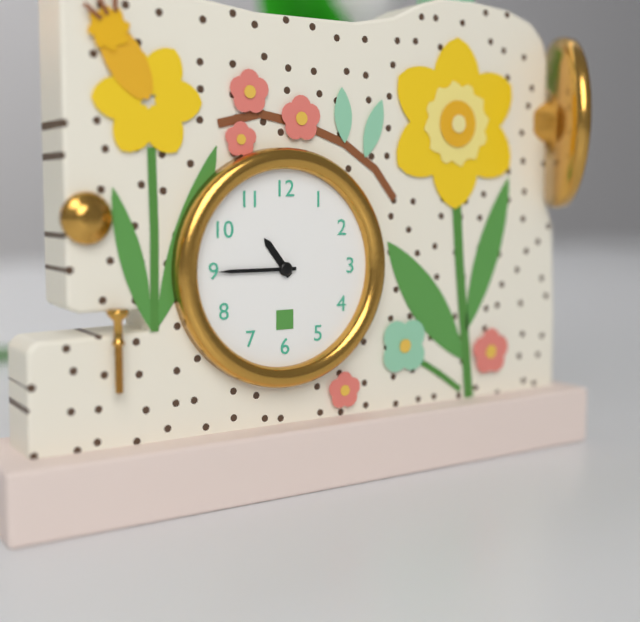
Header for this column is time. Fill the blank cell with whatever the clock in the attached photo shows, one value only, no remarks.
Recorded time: 10:45
